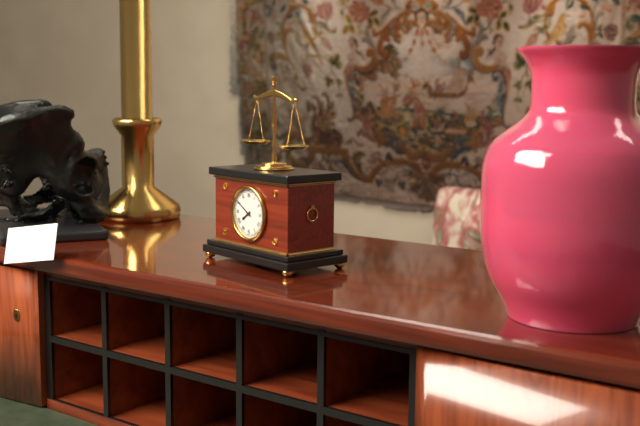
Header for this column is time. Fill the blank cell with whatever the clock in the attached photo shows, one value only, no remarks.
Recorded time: 7:50
